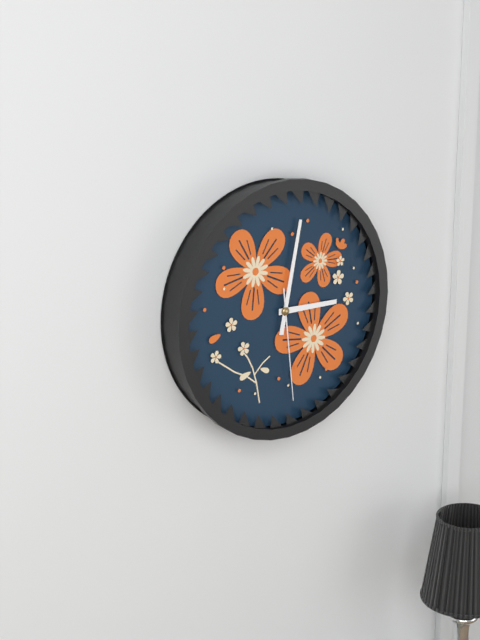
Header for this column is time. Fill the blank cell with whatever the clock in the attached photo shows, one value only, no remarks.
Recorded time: 3:02:29
